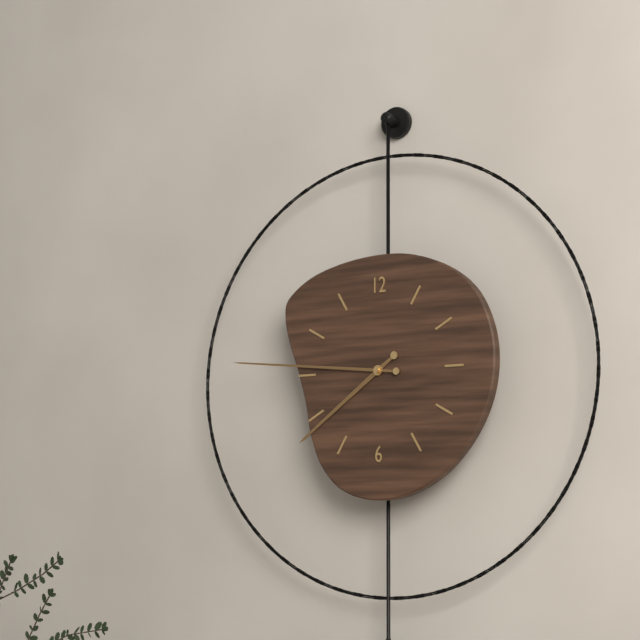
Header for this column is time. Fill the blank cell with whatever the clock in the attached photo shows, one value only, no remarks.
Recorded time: 7:46
